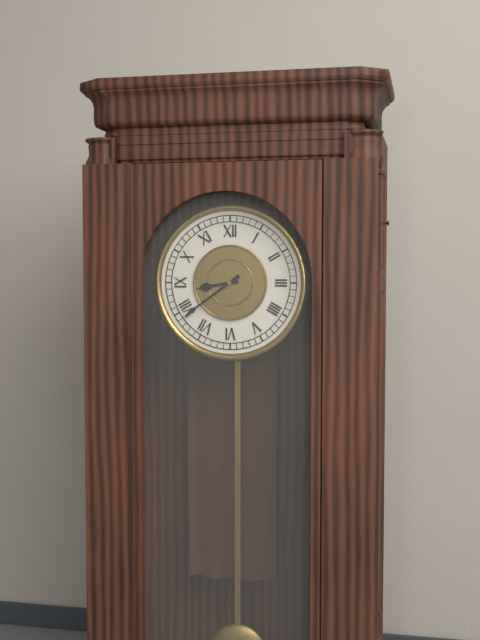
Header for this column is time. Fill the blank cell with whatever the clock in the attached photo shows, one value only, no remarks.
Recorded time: 8:39
